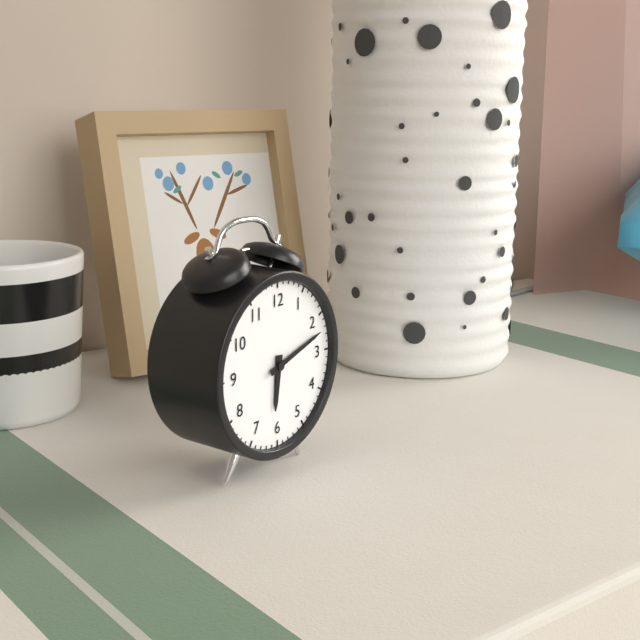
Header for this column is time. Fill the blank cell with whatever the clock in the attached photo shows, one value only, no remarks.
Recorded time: 6:12
